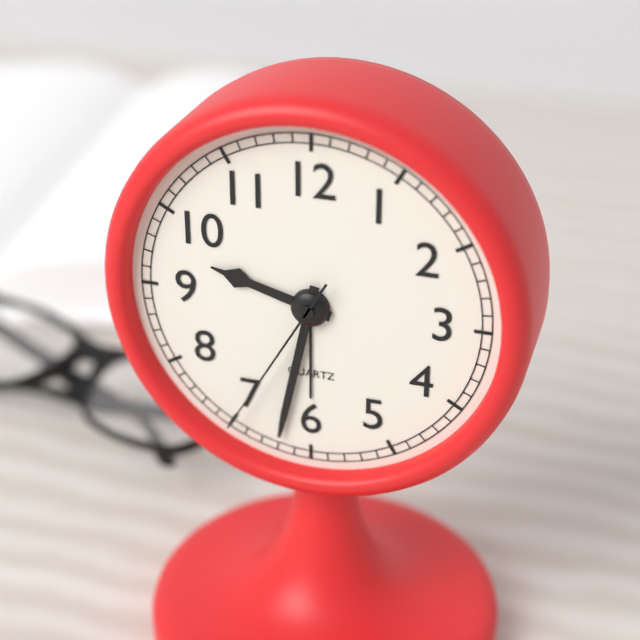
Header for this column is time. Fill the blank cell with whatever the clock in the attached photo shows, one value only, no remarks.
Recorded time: 9:32:35
